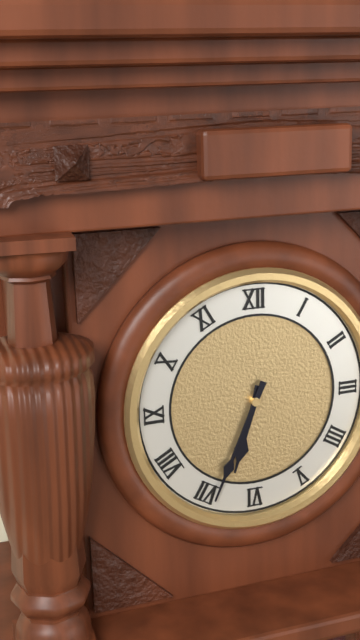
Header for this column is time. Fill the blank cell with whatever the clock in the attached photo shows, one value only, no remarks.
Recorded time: 6:34
